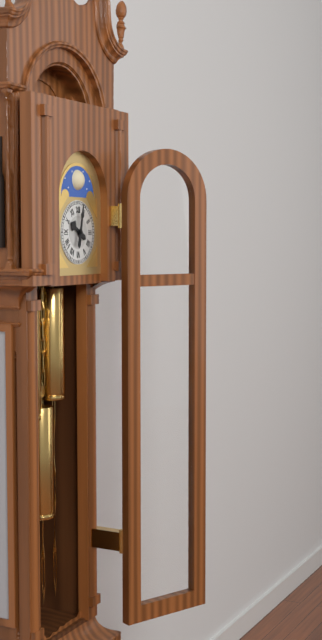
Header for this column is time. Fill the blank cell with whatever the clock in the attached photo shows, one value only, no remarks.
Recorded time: 10:02
